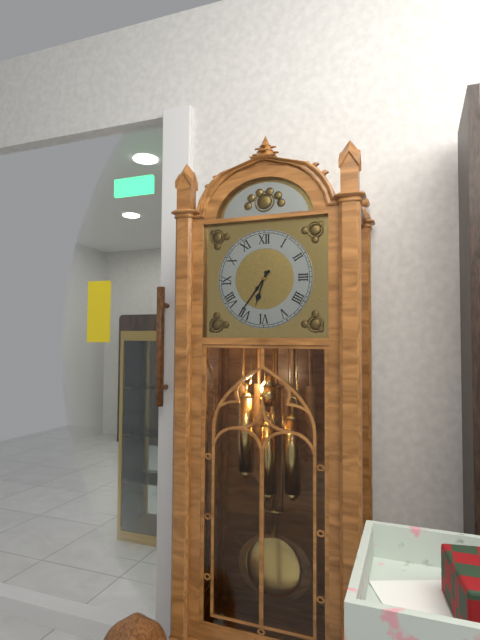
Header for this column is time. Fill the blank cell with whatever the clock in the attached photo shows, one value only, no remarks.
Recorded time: 6:36
